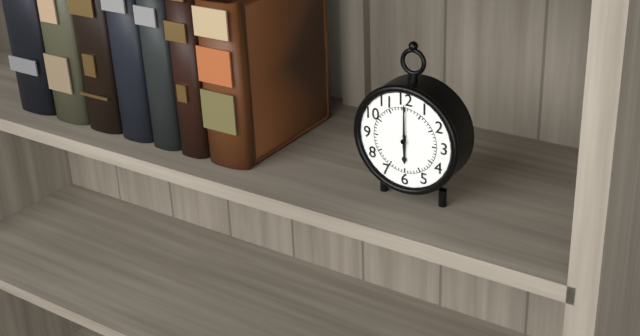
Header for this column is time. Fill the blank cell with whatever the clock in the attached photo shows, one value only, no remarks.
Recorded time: 6:00
